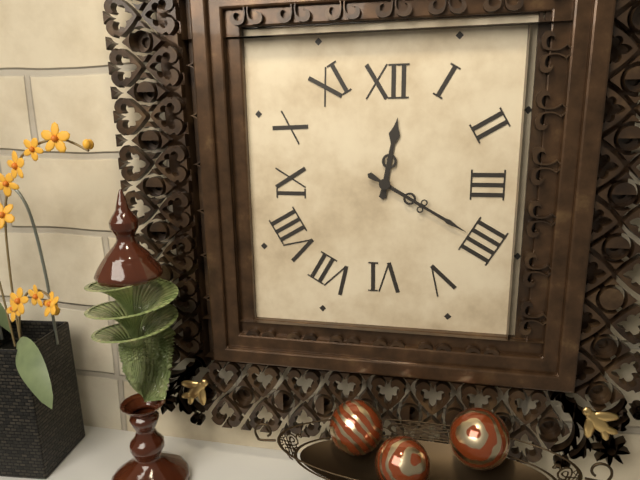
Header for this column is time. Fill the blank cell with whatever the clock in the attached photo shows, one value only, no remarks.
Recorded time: 12:20
